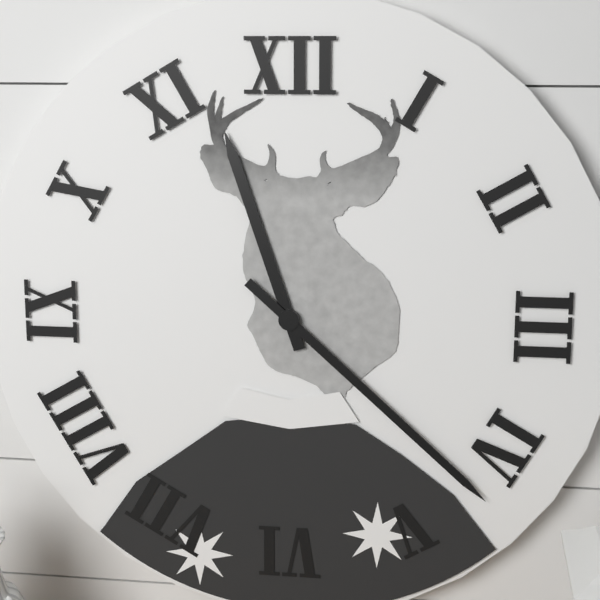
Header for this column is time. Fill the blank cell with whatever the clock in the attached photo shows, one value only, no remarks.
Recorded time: 11:22
